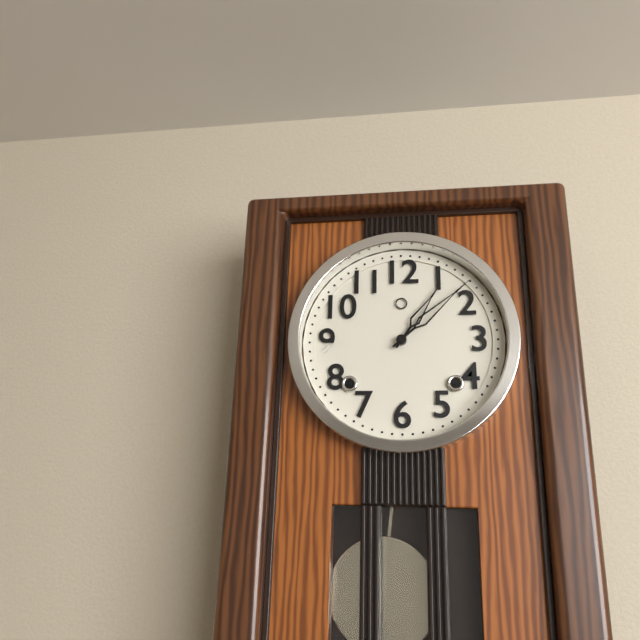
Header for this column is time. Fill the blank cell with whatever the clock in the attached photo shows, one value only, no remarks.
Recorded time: 1:08
